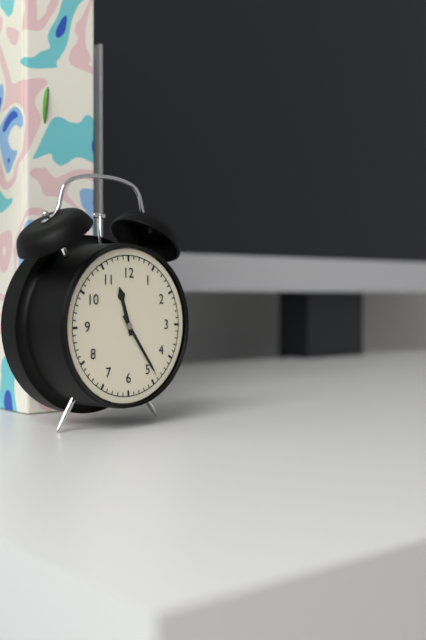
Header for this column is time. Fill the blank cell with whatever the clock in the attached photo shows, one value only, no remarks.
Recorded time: 11:24
